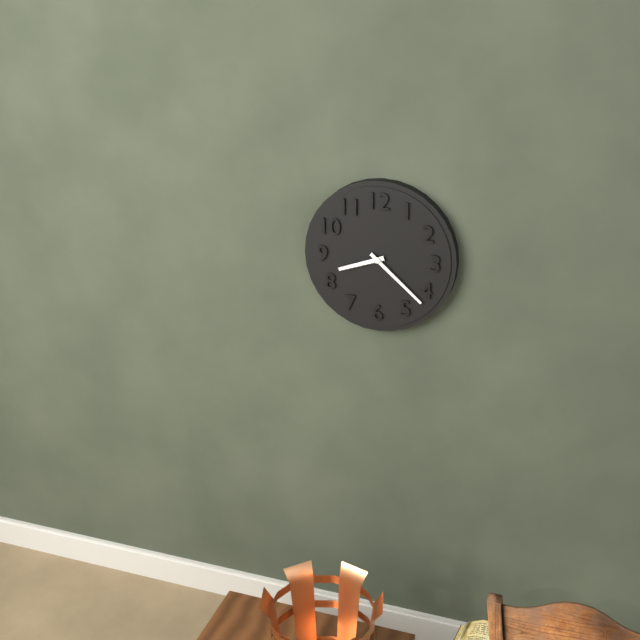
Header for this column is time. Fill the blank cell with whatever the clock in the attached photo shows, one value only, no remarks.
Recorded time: 8:22
